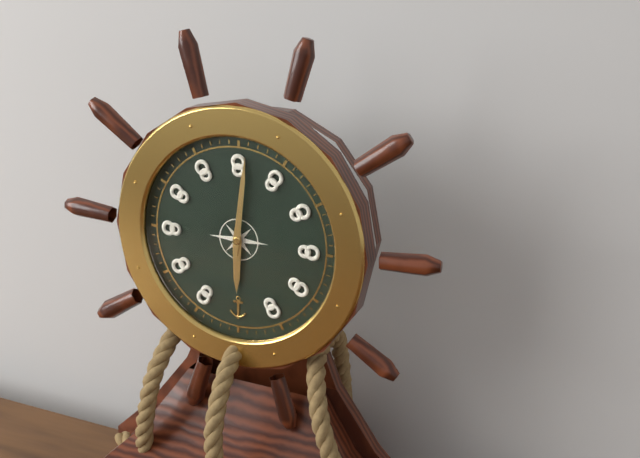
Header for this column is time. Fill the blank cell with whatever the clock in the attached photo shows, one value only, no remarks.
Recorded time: 6:01
